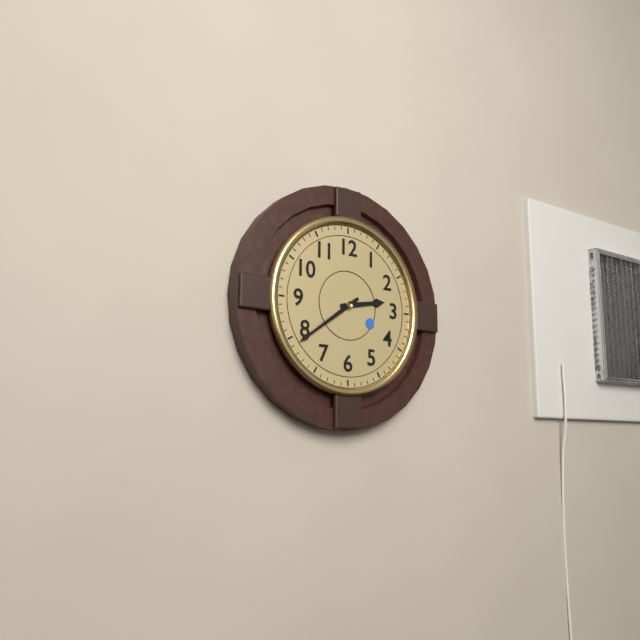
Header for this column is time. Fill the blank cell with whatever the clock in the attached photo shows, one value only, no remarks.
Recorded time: 2:39
